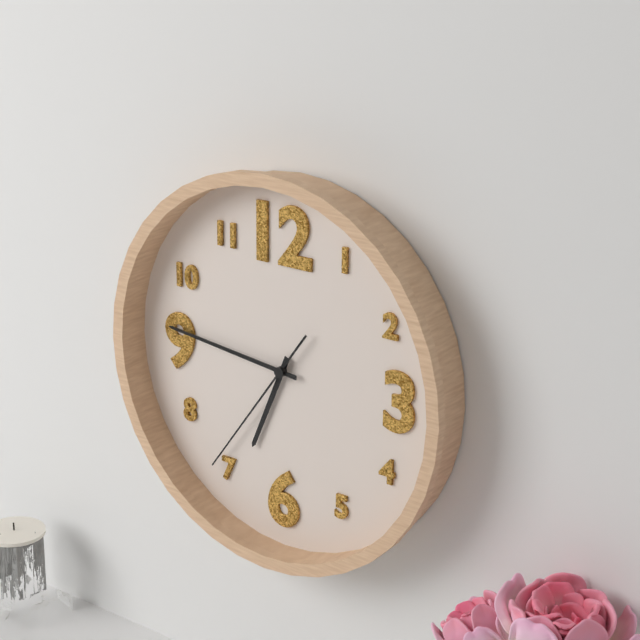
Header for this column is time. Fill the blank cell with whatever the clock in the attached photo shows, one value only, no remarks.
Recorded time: 6:46:36
